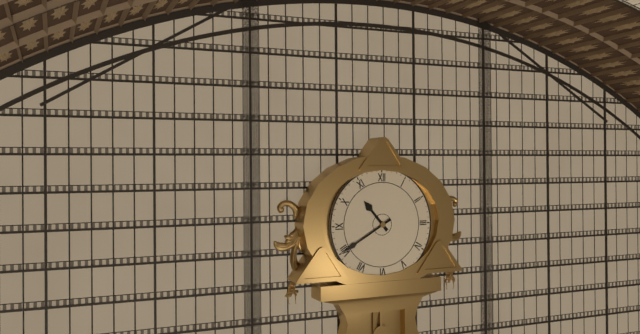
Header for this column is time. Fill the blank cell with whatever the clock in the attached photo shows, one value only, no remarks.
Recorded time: 10:40
